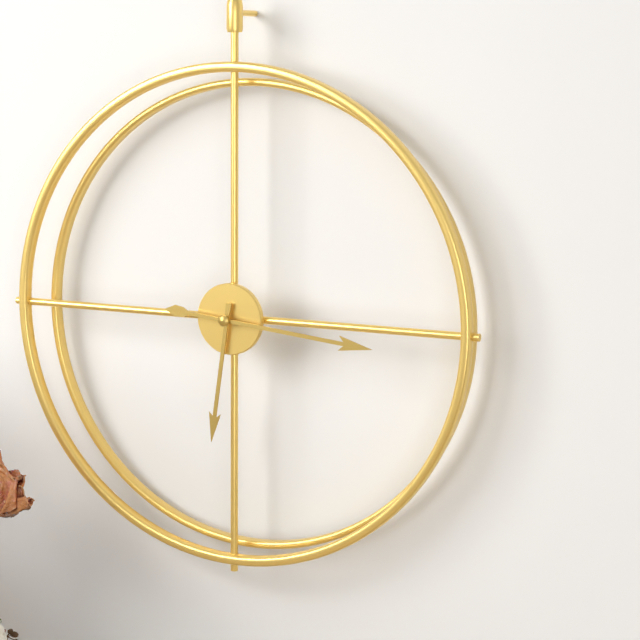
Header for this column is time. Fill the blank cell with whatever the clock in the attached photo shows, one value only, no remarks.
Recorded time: 6:16
